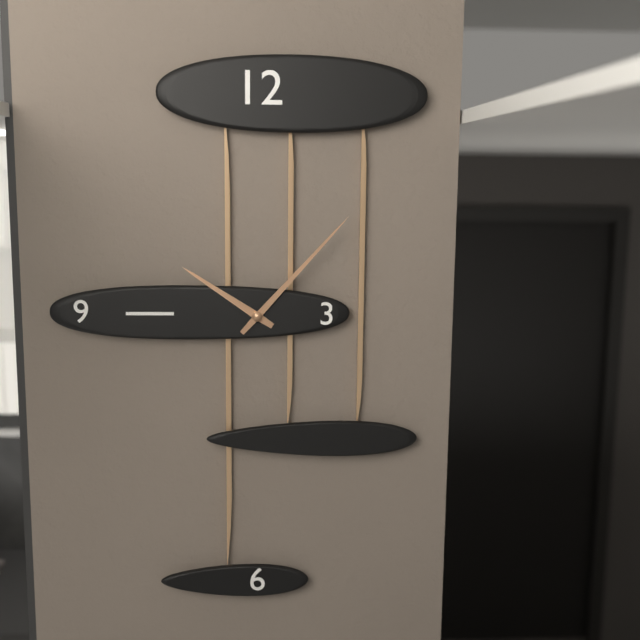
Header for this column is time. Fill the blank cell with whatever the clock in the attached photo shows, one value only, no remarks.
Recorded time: 10:07
